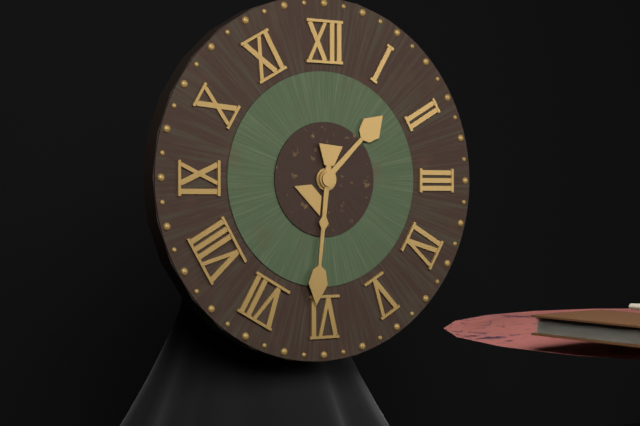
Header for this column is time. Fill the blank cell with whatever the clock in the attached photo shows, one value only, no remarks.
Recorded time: 1:31
